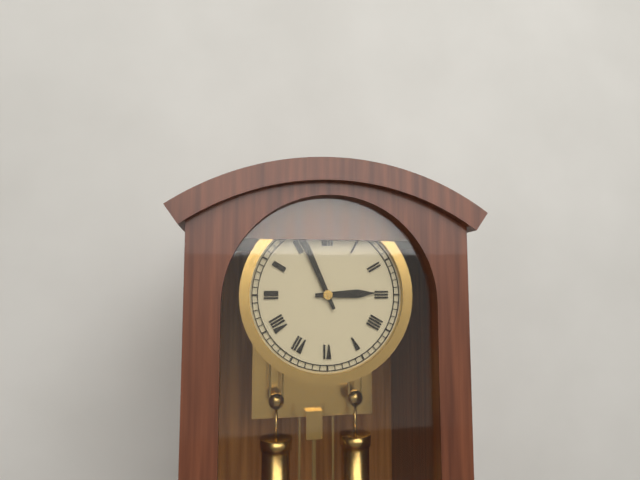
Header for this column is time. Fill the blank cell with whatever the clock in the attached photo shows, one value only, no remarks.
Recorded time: 2:56
